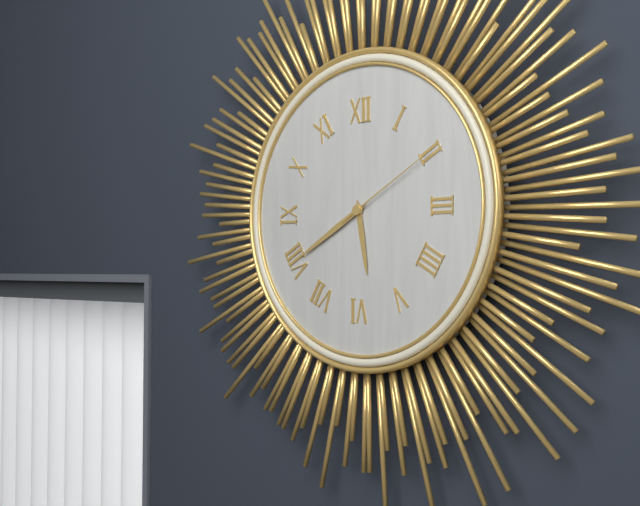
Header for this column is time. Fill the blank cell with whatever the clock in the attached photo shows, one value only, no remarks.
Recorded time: 5:40:10
